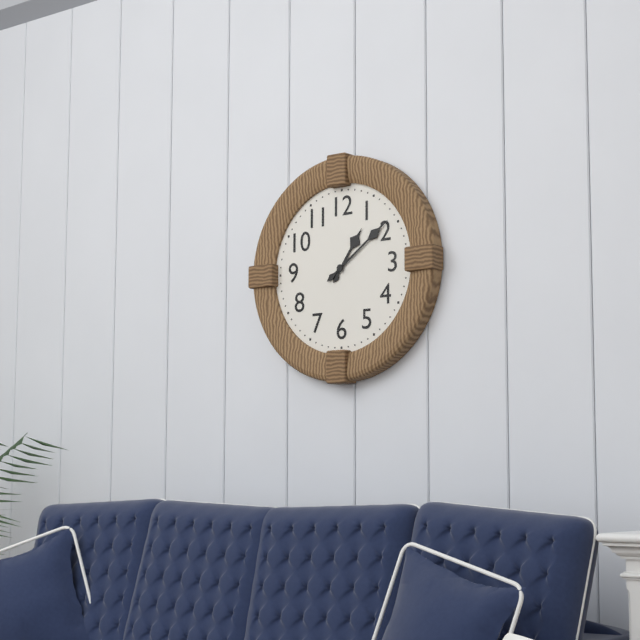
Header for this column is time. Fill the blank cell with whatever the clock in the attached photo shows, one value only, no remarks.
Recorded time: 1:09
